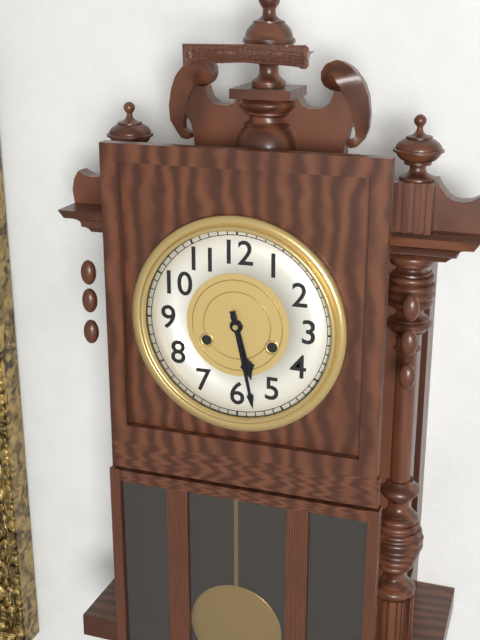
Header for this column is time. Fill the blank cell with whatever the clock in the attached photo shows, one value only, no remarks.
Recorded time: 5:28
